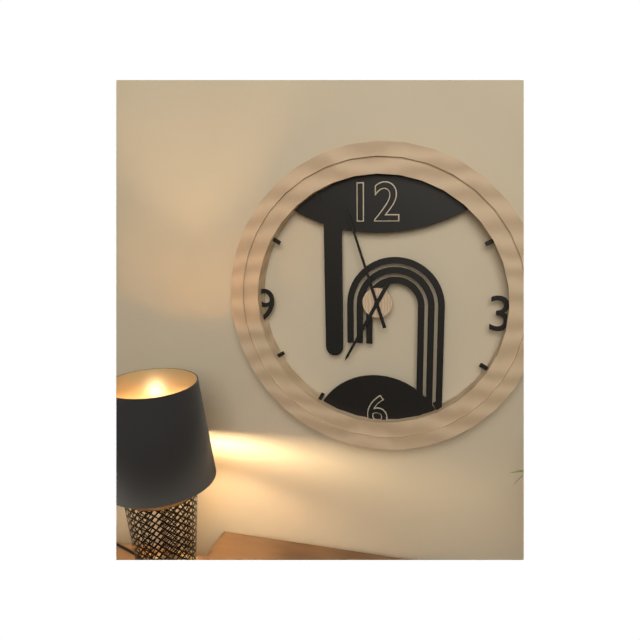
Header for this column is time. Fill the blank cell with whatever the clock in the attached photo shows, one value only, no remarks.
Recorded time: 6:57
